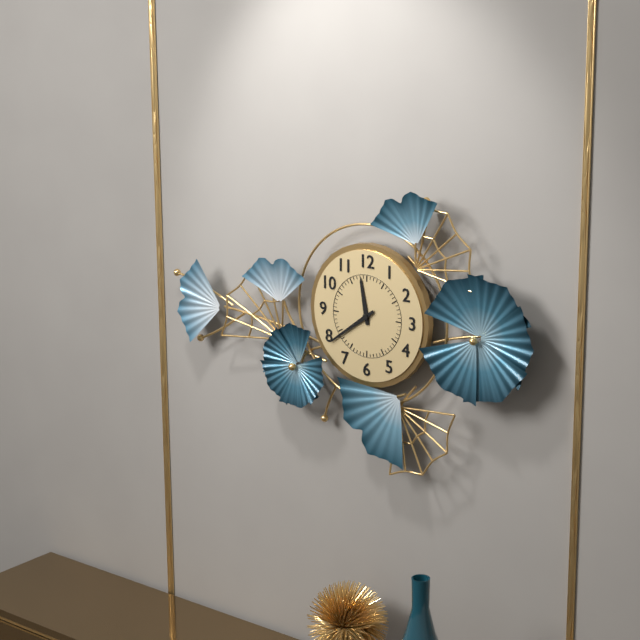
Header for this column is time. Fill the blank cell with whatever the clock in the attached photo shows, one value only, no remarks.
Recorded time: 11:39
